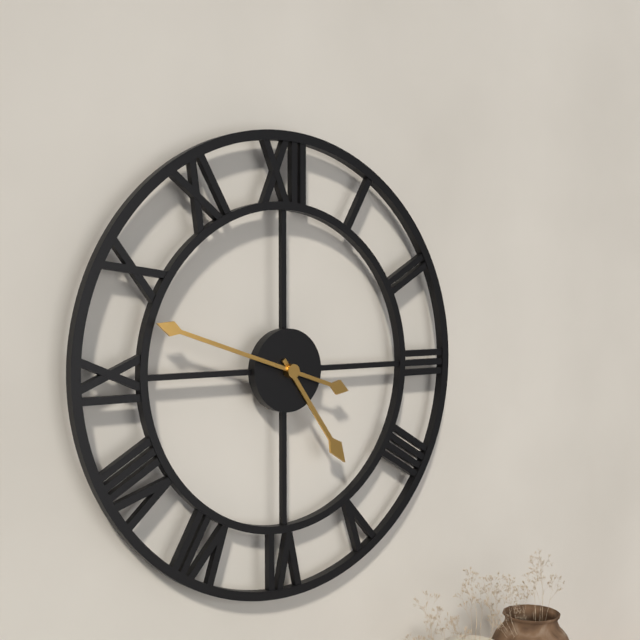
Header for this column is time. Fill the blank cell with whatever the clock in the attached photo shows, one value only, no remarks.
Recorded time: 4:48
